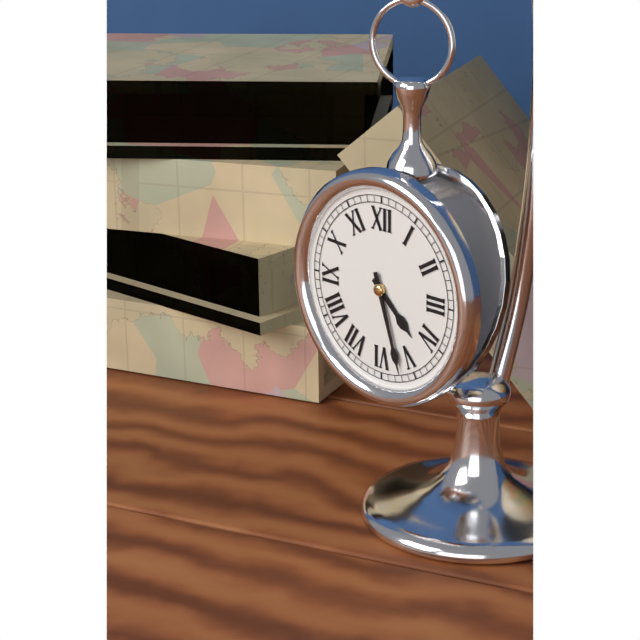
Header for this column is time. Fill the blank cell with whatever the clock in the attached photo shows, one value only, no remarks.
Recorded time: 4:27
